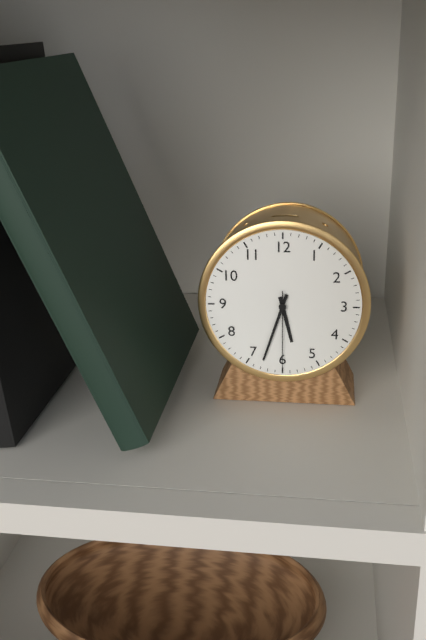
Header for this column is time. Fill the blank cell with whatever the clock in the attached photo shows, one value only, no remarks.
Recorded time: 5:33:30
